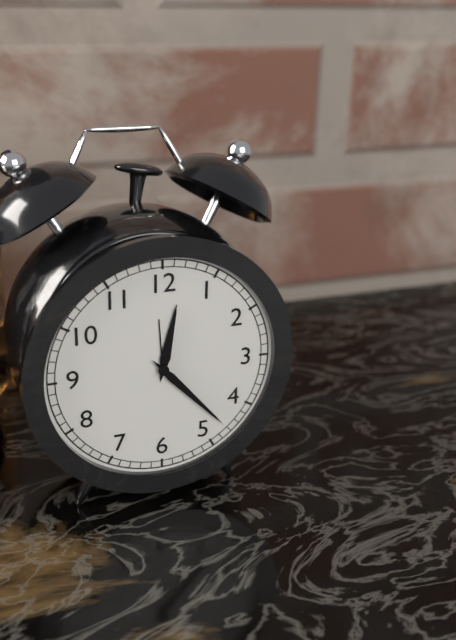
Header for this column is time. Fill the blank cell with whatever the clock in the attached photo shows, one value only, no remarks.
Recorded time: 12:23
